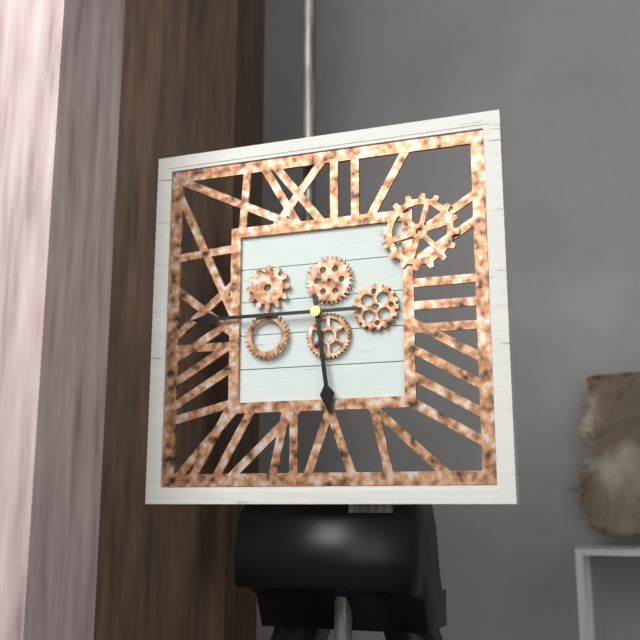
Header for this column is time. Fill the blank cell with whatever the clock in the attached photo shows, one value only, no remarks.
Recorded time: 5:45
